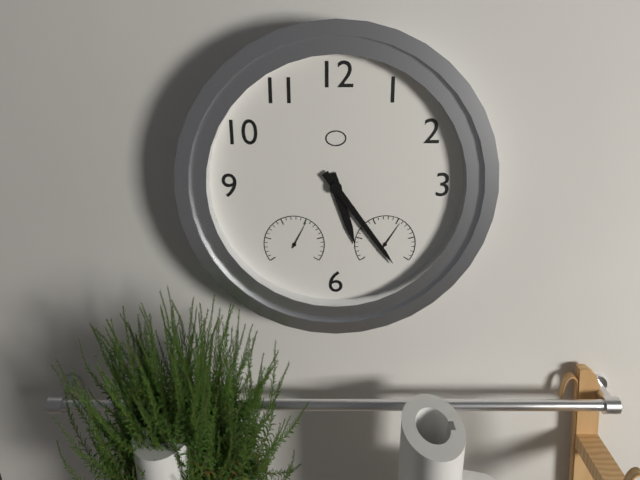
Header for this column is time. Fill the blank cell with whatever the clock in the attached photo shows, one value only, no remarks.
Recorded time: 5:24
